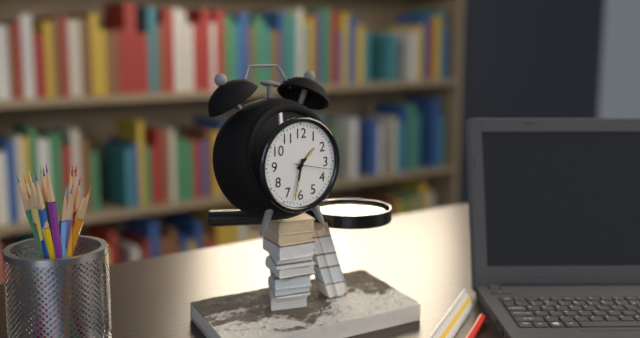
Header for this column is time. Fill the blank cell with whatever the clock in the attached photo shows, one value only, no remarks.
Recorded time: 1:32
